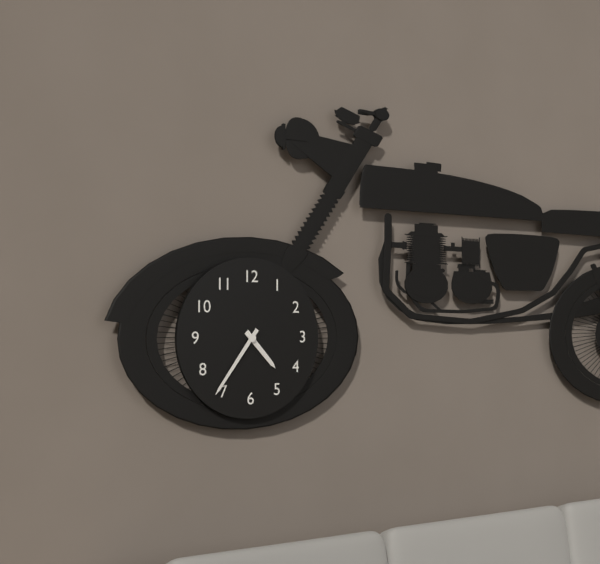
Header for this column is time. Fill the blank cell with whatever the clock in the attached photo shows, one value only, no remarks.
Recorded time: 4:36
